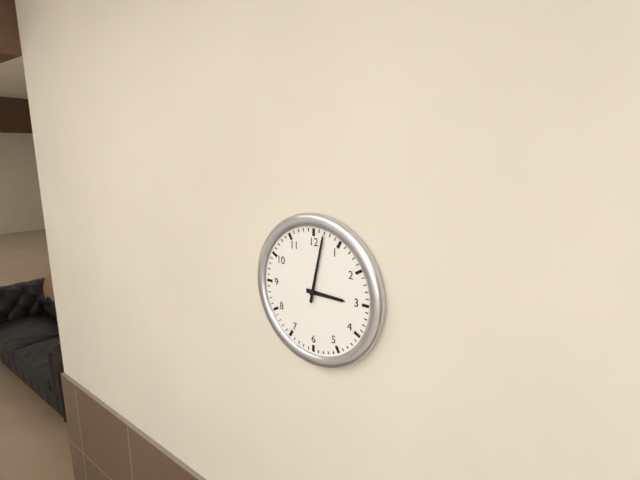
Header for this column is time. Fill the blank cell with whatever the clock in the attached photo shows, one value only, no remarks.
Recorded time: 3:02
